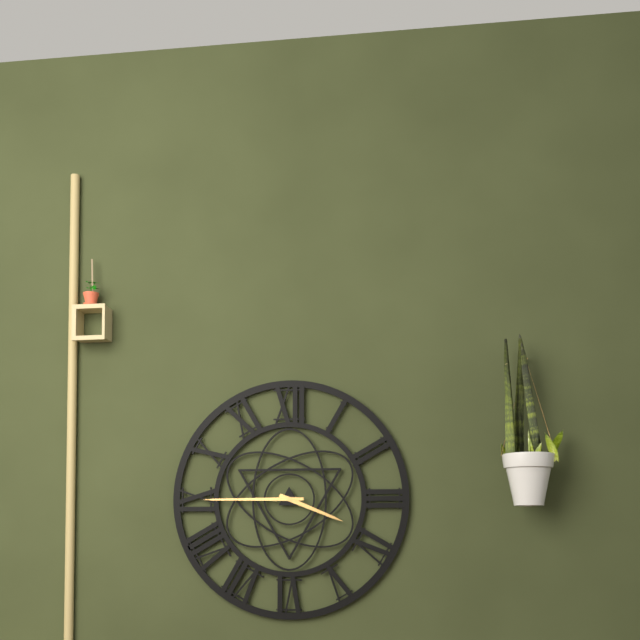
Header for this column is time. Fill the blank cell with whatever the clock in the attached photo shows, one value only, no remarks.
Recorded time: 3:45
